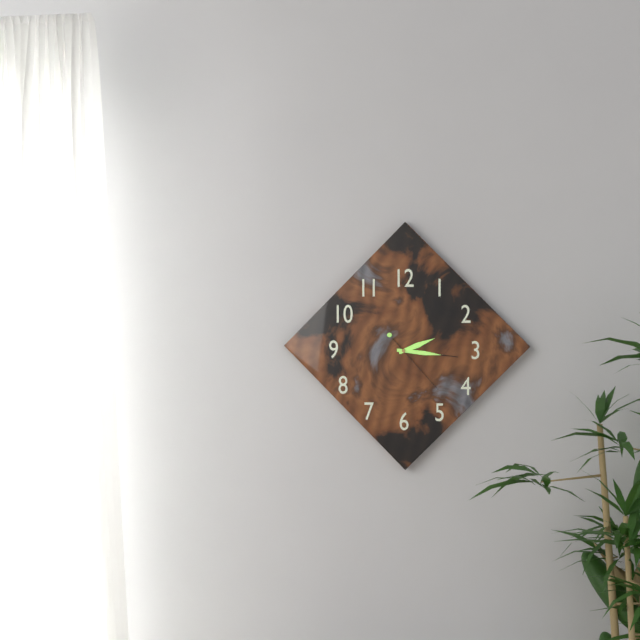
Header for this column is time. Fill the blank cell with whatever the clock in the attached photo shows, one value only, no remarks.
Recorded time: 2:16:23
